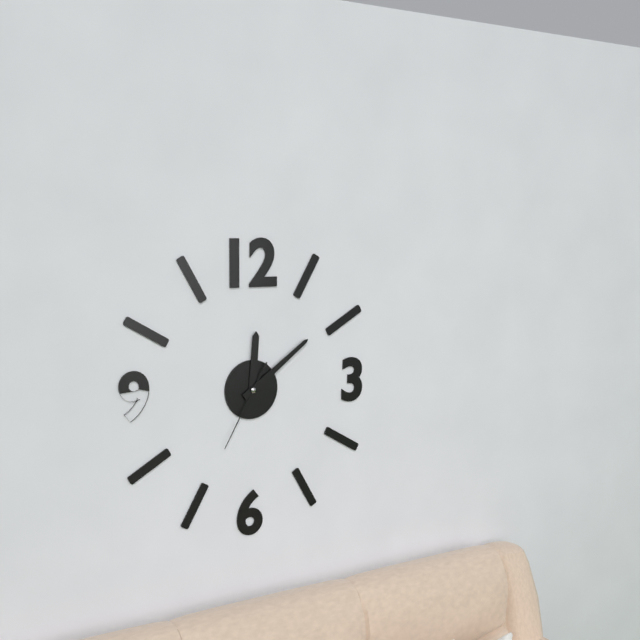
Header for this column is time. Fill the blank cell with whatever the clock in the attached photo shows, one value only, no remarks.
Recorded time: 12:09:35
